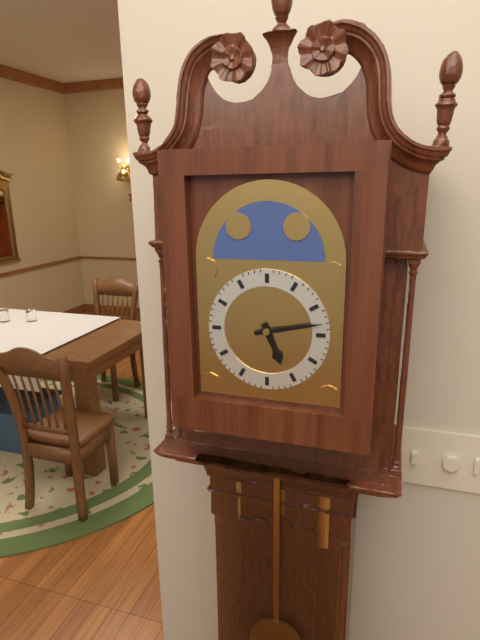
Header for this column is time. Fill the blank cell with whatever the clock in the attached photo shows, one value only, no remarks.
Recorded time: 5:13
